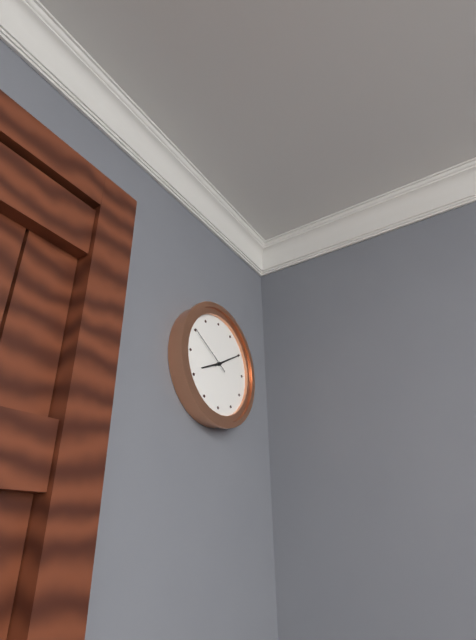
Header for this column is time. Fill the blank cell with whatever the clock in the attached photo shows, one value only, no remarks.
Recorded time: 8:10:50
